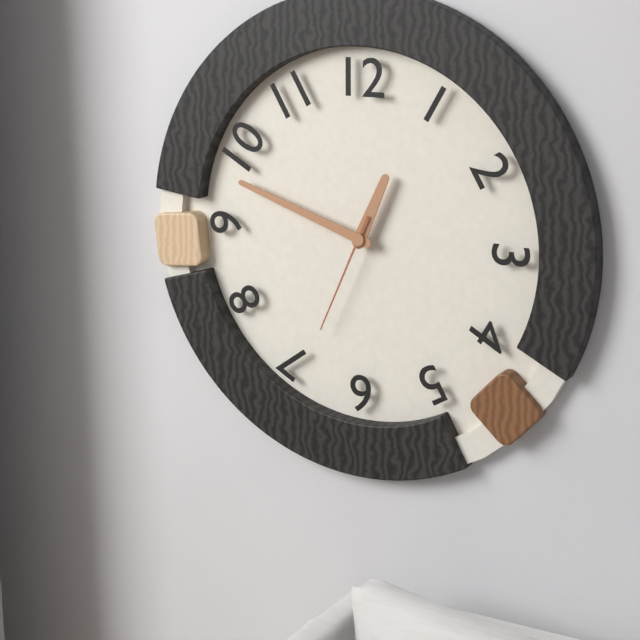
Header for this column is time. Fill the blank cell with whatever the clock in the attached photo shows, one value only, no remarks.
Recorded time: 12:48:34
